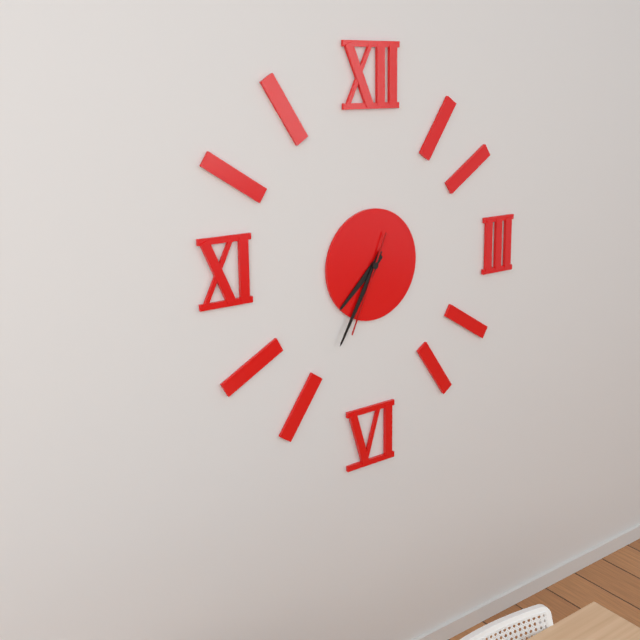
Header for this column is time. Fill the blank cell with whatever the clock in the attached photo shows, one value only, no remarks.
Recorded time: 7:35:34
